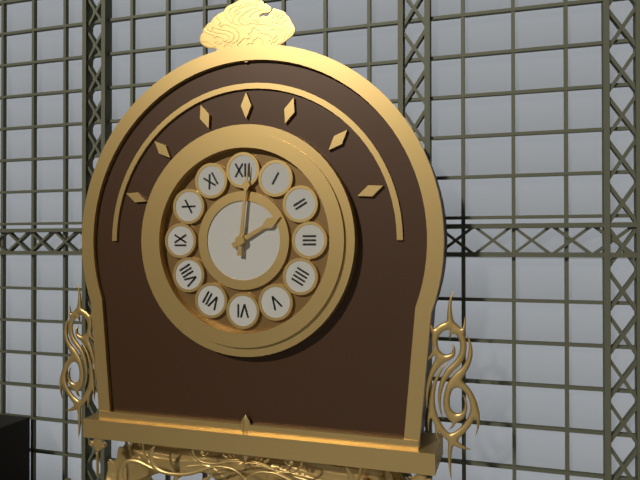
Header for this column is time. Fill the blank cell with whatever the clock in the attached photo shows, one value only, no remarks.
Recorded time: 2:01
